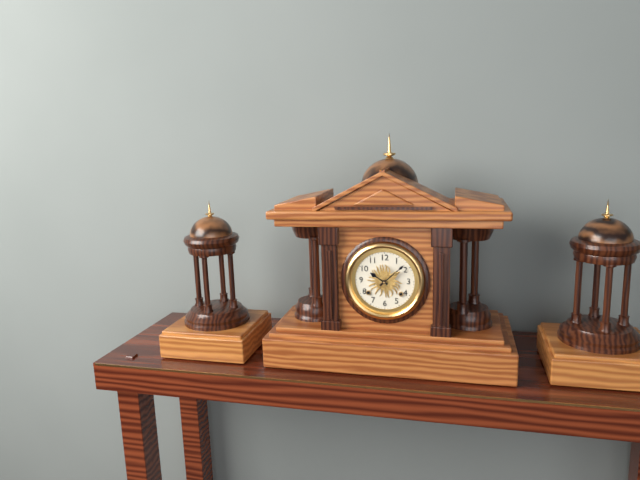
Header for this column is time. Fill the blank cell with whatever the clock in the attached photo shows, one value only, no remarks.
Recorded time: 10:08
